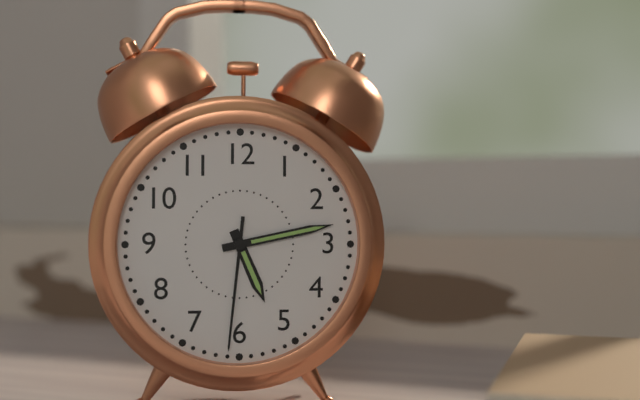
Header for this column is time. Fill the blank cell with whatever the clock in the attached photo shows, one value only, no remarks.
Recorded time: 5:13:31
